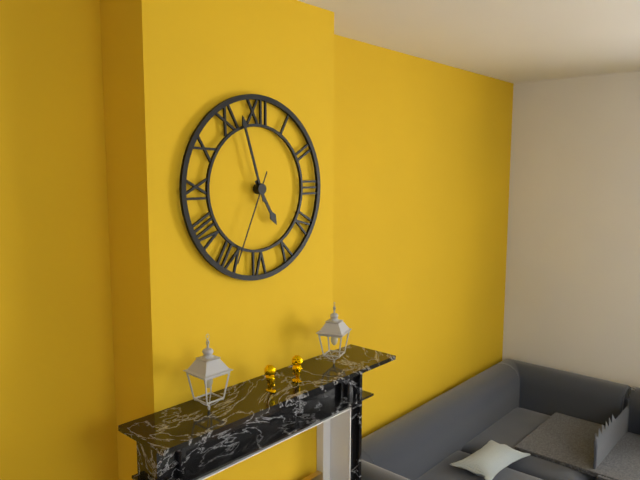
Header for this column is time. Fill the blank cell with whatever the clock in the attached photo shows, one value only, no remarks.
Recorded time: 4:57:34
